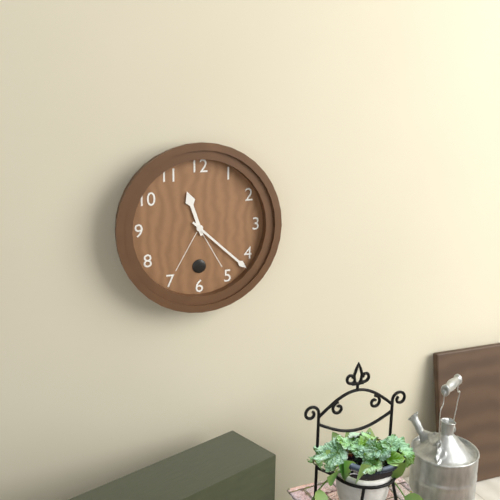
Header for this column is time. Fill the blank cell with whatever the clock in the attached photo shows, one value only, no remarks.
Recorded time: 11:22
